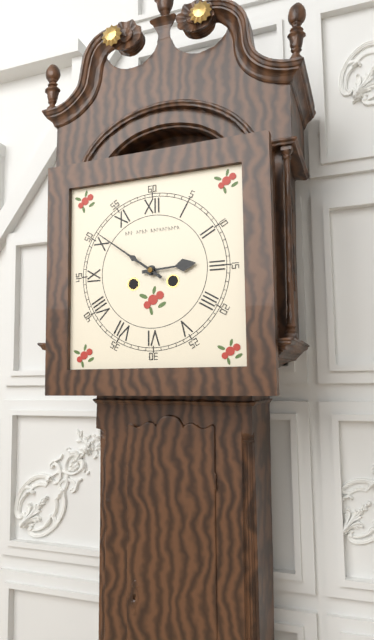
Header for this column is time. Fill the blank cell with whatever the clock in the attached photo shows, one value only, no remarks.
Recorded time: 2:51
